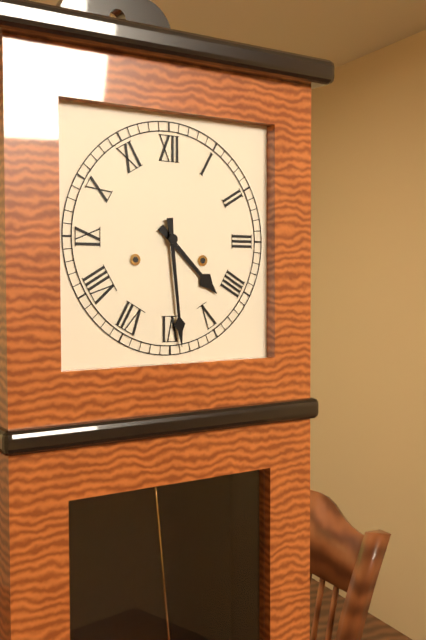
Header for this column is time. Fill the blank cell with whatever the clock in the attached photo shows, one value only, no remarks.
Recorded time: 4:29
